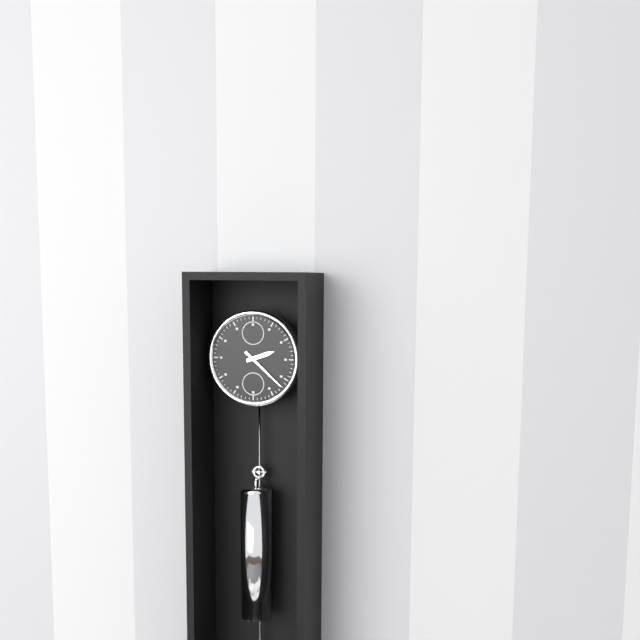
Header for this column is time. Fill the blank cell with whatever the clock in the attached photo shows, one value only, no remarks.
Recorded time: 2:22
